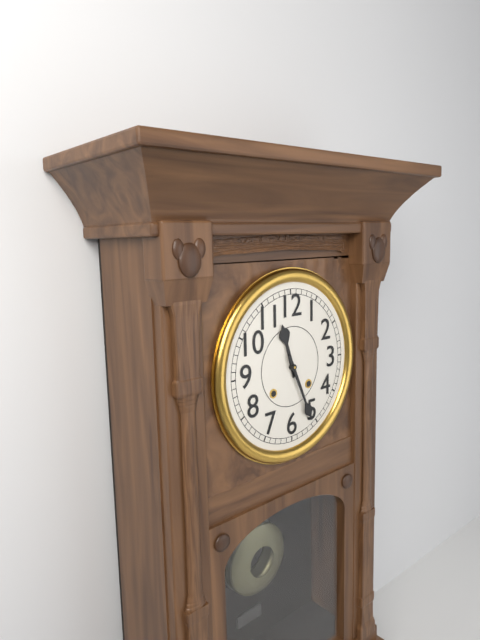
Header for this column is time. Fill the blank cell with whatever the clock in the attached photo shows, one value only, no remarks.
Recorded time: 11:26
